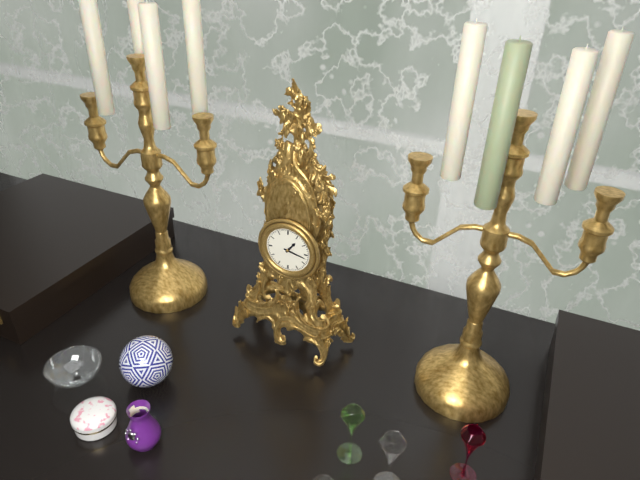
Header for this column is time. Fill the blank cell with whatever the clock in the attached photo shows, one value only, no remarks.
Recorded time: 1:17
